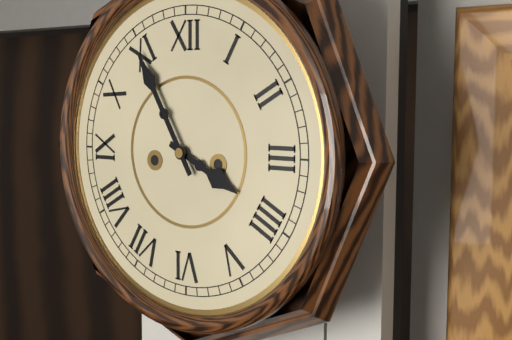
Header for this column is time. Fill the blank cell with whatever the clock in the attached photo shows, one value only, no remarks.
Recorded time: 3:55
